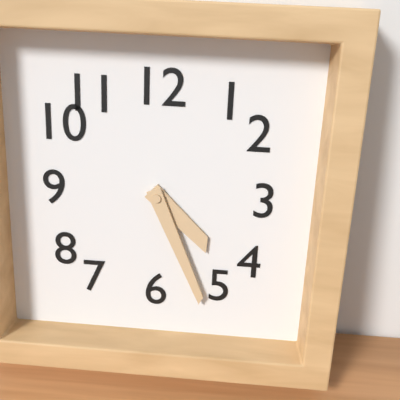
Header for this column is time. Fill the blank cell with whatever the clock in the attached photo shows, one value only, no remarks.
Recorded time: 4:26
